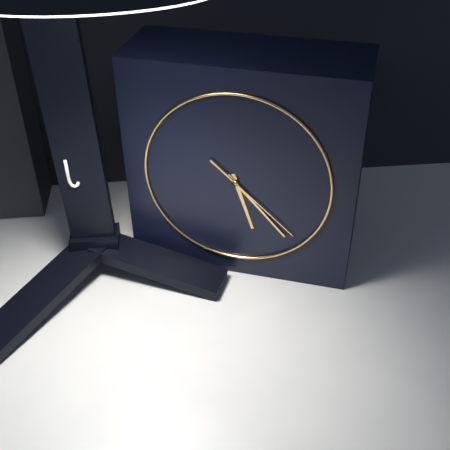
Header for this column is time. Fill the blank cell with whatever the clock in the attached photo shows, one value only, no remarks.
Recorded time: 5:23:22
